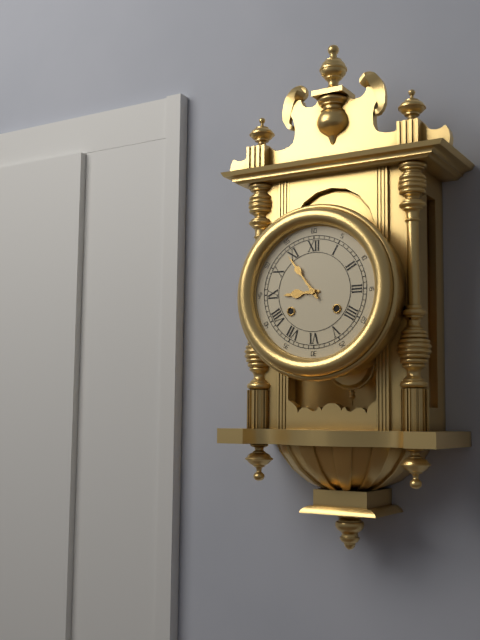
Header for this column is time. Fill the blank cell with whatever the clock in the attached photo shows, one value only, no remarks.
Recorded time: 8:54
